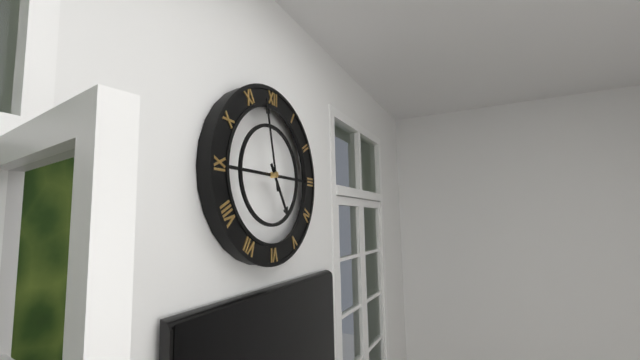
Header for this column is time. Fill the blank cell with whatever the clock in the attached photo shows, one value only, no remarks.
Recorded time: 4:58
